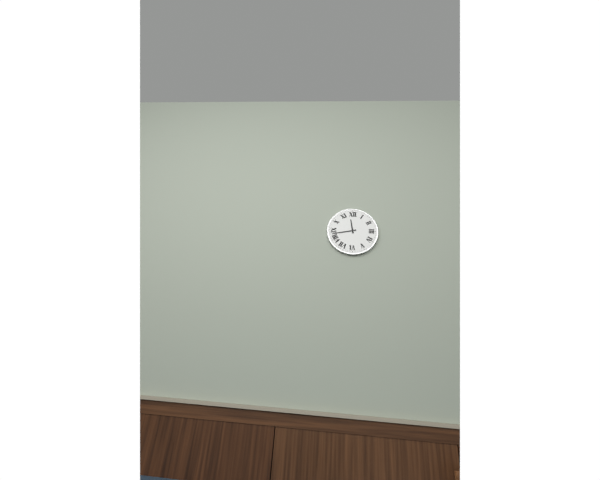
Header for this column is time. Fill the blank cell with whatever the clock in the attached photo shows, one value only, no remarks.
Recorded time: 11:43
